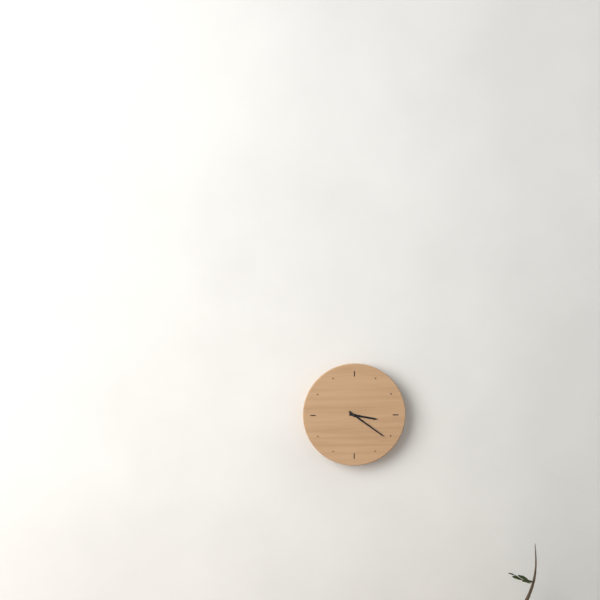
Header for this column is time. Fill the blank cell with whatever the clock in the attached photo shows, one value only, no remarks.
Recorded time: 3:21
